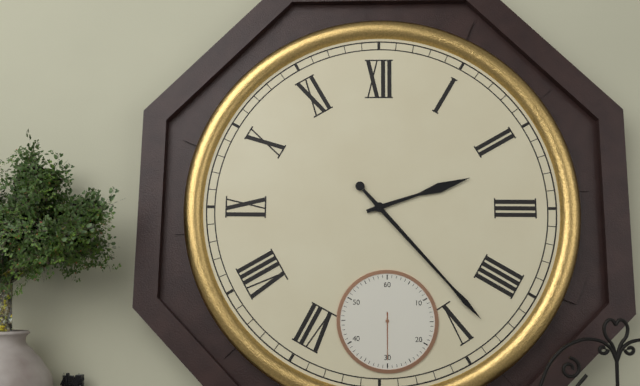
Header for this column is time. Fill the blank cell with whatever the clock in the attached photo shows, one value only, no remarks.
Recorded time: 2:23
